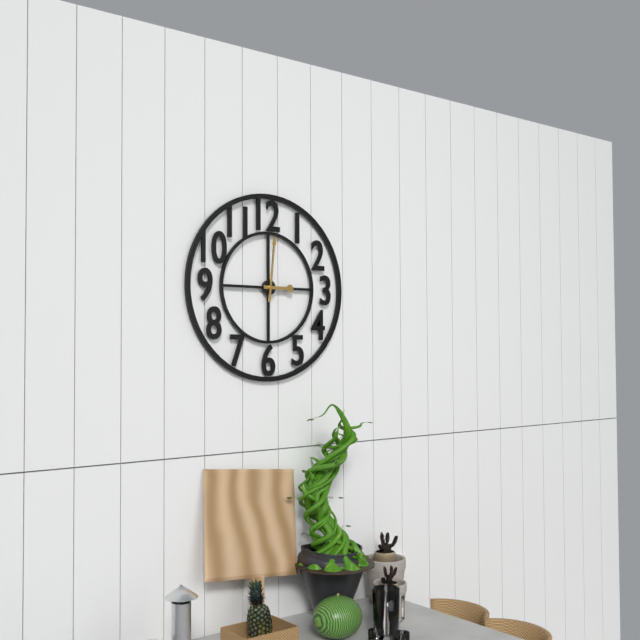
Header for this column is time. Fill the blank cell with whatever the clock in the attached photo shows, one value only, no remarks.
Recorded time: 3:01
